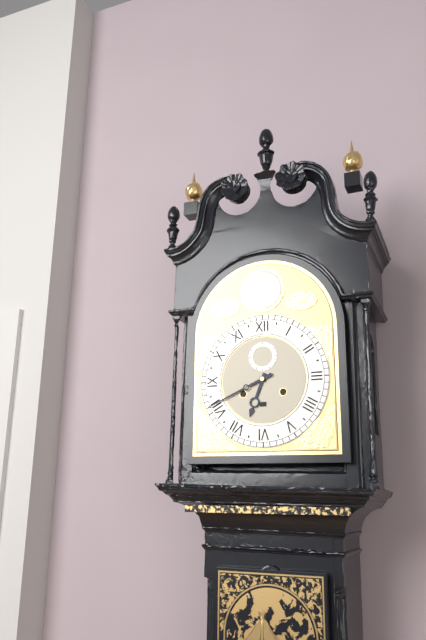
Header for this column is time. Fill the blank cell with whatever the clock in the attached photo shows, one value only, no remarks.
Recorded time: 6:41
